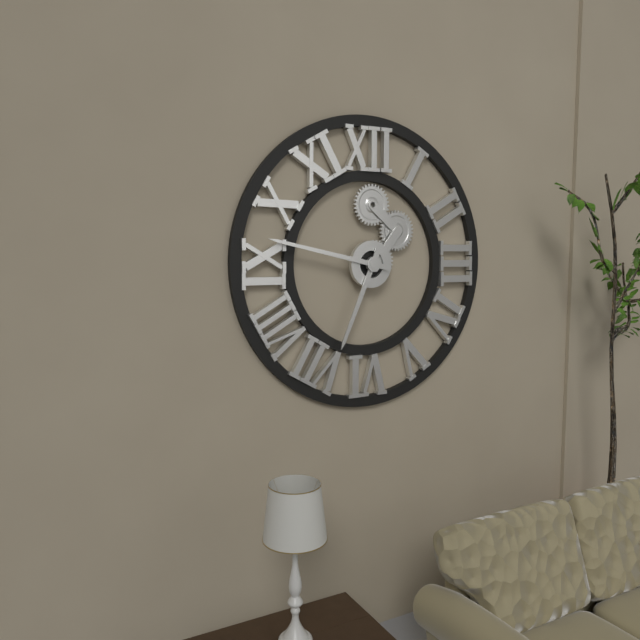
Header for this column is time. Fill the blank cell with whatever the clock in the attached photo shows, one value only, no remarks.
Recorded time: 6:47
